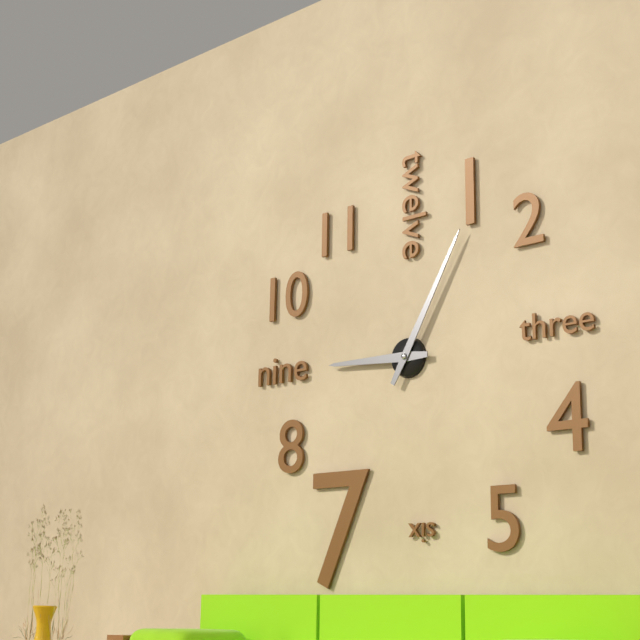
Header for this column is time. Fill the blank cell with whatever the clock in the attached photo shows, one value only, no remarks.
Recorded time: 9:05
